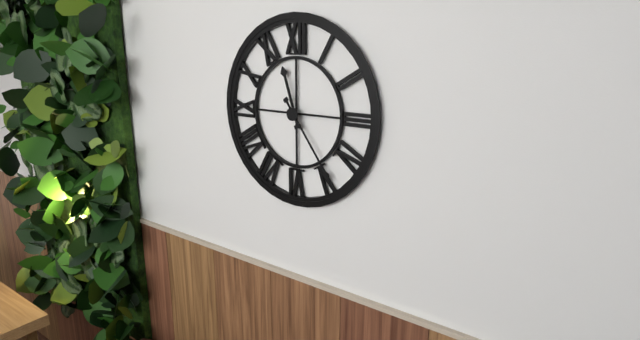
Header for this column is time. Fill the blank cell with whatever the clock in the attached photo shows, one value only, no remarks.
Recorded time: 11:24
